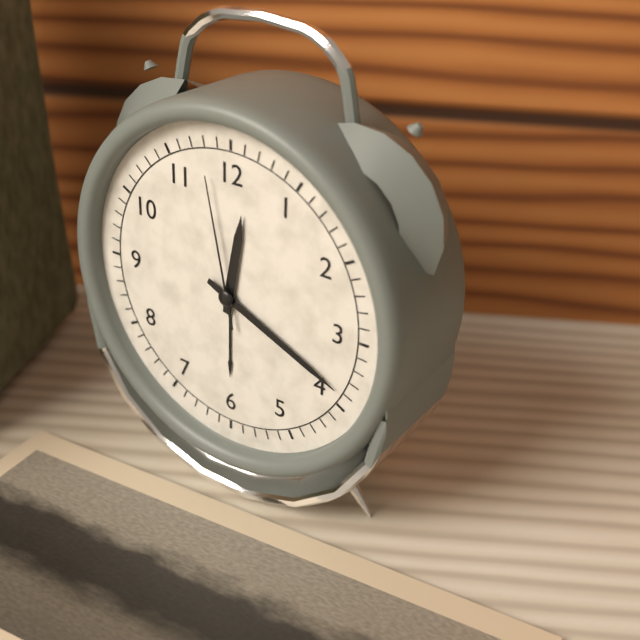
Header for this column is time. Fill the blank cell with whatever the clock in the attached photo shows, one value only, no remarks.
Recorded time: 12:19:58
